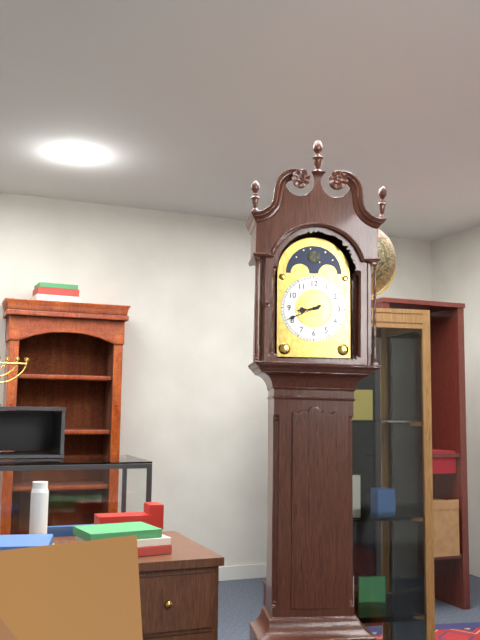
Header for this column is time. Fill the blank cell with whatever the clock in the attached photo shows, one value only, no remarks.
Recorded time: 8:41
